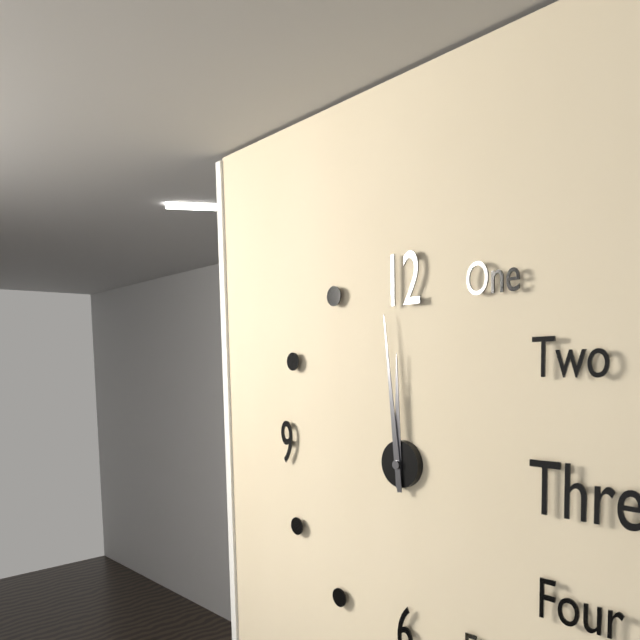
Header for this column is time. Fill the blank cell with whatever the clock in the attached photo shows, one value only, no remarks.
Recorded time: 11:59
